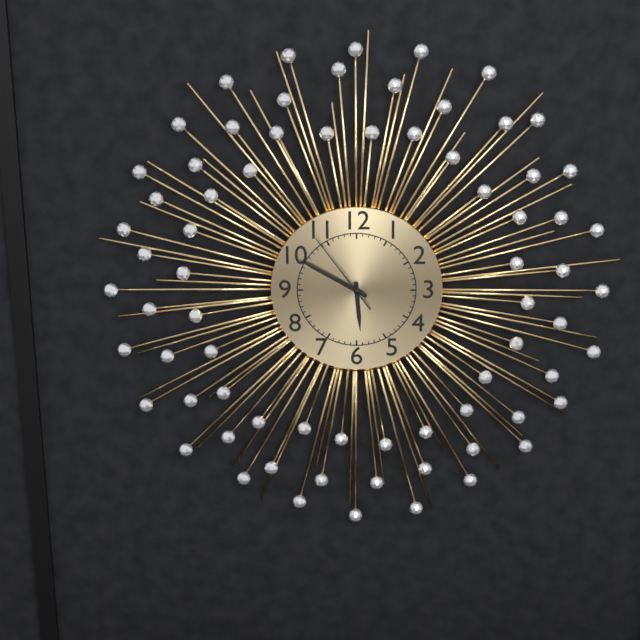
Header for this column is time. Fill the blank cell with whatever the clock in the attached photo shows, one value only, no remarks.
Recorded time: 5:50:54
